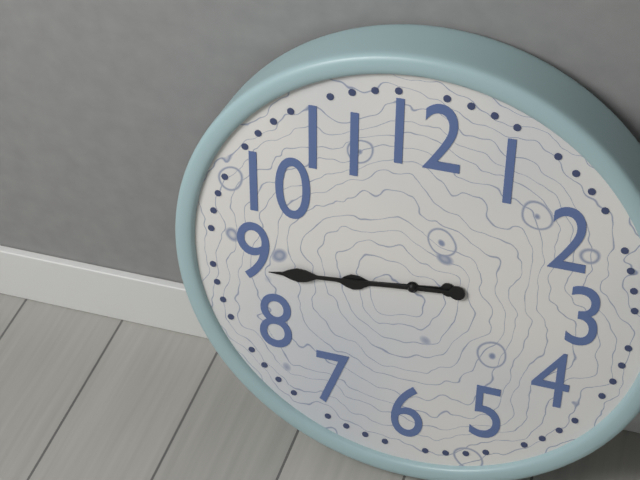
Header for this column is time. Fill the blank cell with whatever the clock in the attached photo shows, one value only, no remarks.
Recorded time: 8:44
